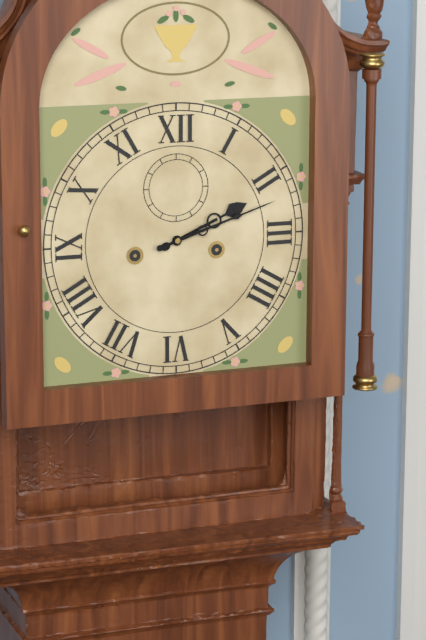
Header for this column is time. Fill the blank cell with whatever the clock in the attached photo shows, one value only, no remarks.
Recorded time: 2:12
